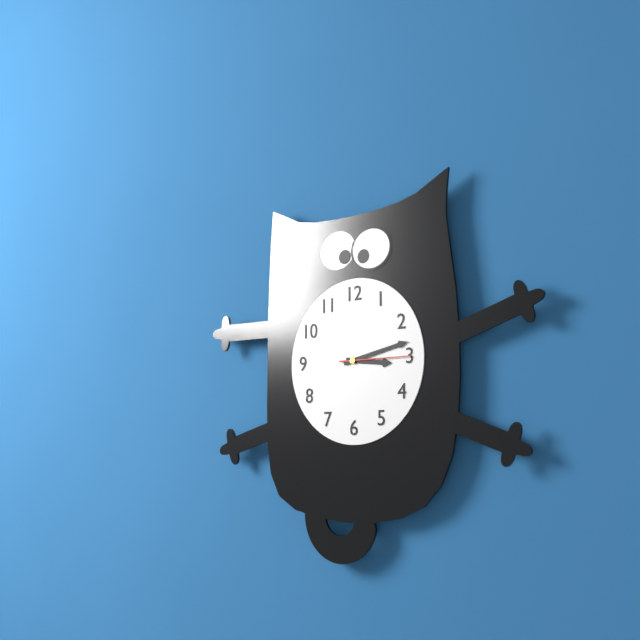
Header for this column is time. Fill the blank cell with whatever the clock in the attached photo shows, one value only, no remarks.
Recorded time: 3:13:15
